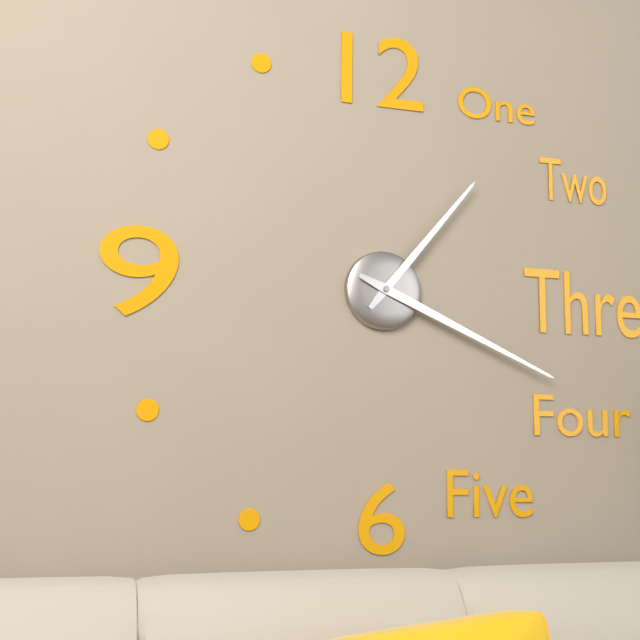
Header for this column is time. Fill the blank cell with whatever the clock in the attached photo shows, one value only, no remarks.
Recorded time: 1:19
